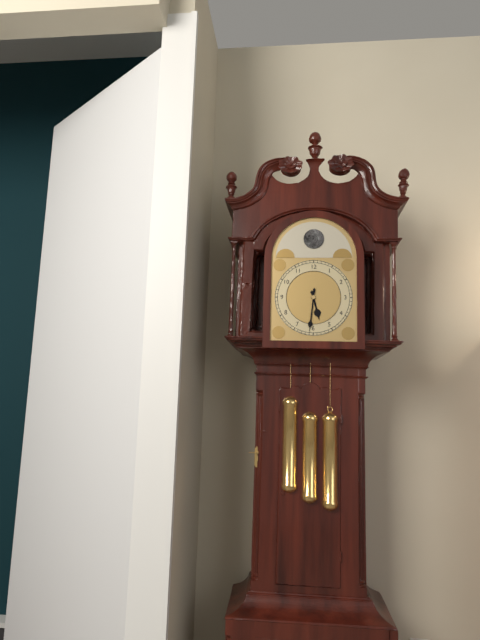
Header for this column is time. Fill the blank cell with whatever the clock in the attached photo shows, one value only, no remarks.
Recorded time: 5:31
